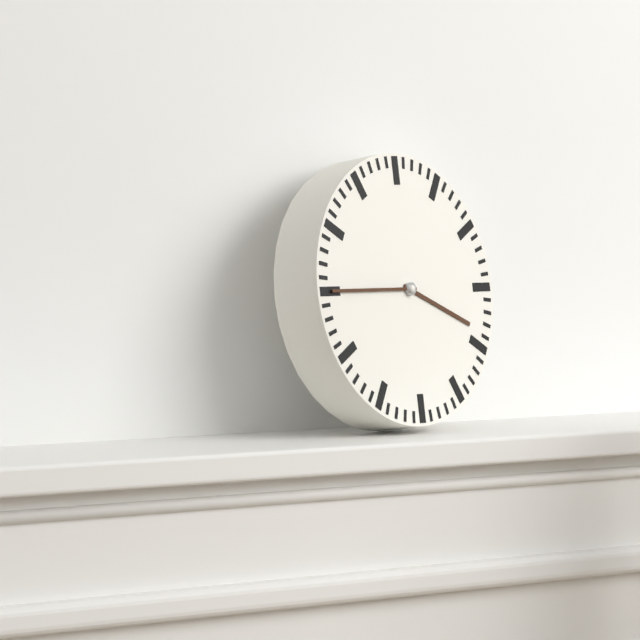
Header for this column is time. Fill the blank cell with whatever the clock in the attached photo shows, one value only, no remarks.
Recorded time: 3:45
